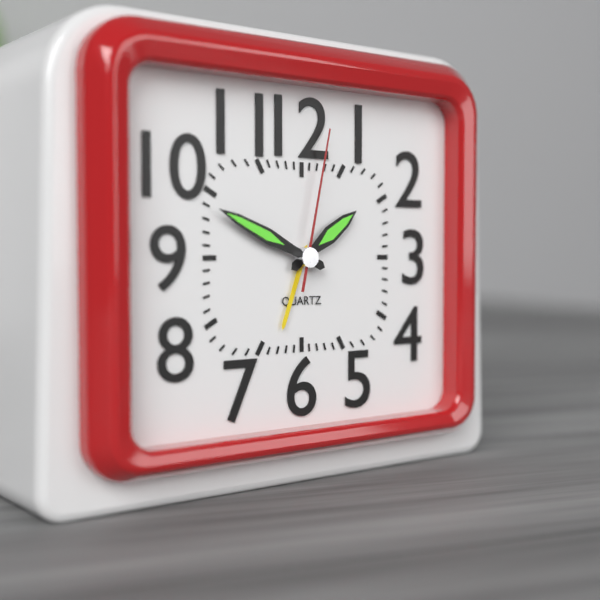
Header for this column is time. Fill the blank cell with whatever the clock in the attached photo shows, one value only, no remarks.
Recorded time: 1:49:02
